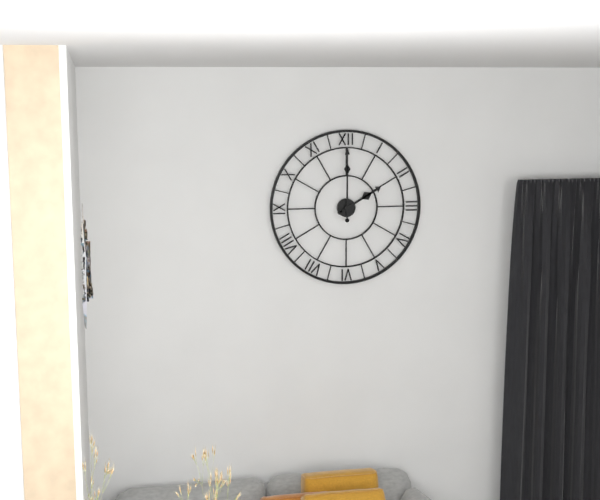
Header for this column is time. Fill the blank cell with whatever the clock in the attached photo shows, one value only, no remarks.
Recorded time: 2:00
